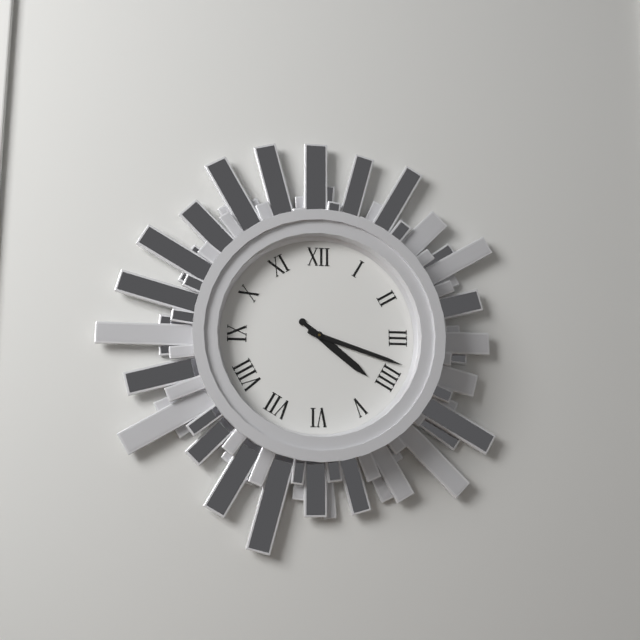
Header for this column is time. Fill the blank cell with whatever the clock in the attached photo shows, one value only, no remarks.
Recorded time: 4:18
